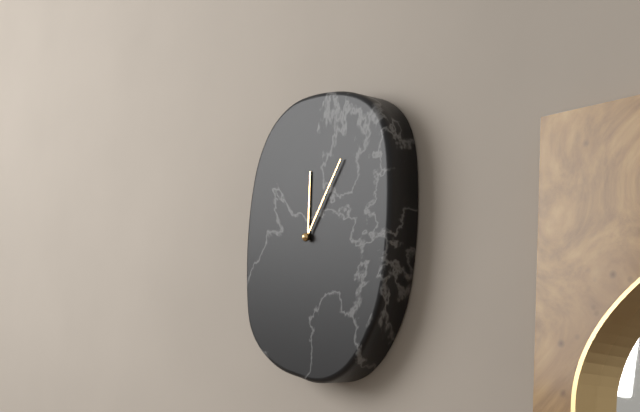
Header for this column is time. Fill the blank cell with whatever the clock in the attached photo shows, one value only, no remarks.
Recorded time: 12:06
